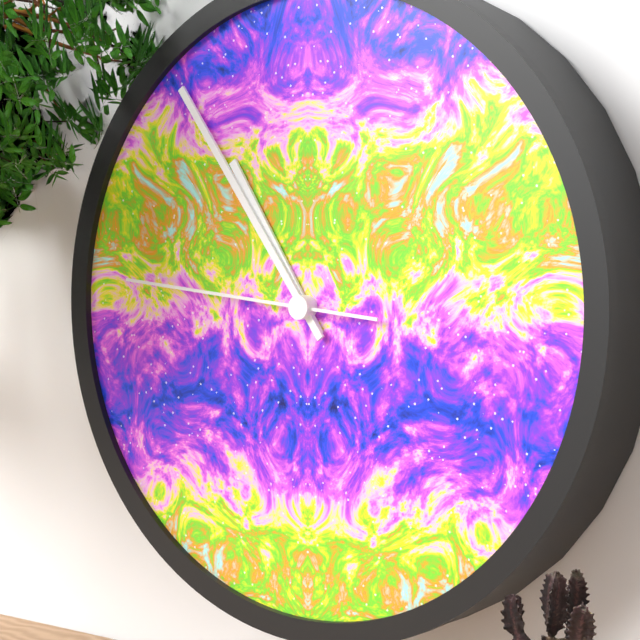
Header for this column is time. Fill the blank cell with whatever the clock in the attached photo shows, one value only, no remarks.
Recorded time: 10:54:46
